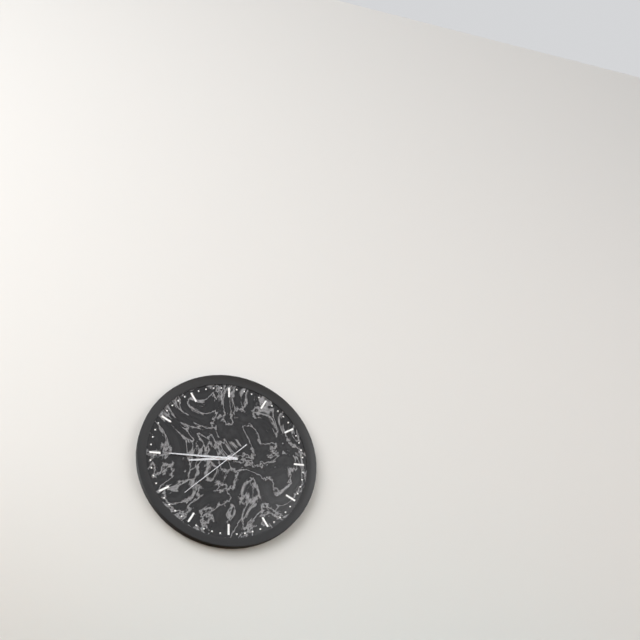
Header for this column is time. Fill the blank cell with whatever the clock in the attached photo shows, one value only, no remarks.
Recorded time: 8:45:38
